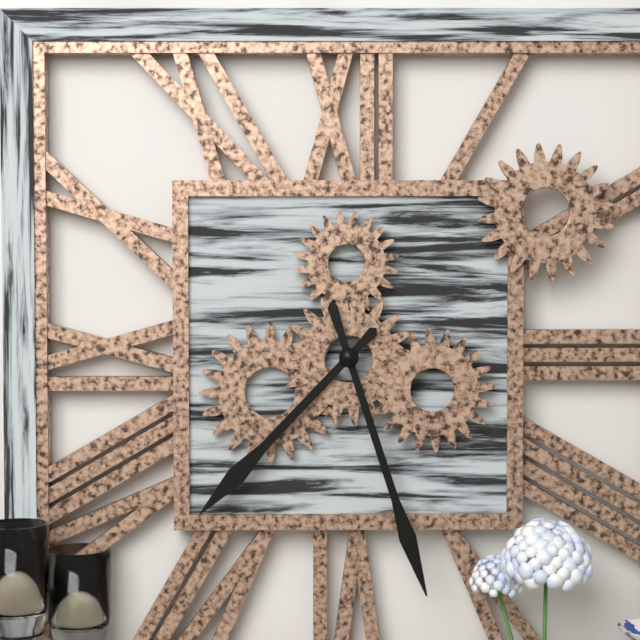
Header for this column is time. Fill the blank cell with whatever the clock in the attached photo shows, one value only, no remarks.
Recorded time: 7:27
